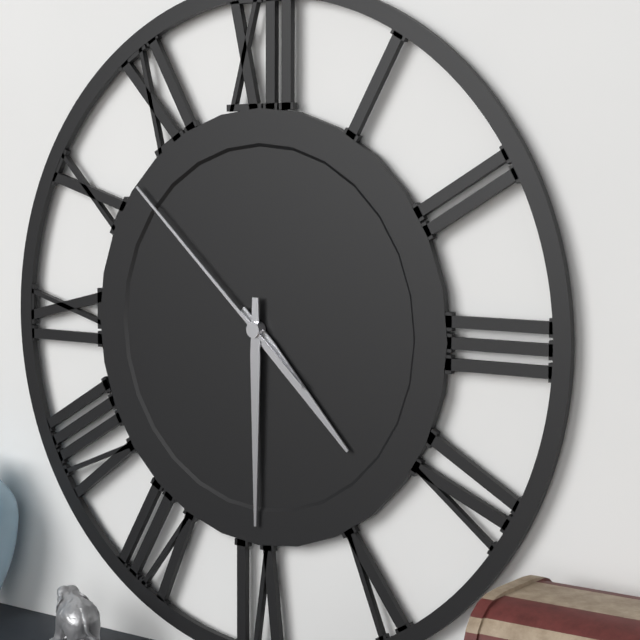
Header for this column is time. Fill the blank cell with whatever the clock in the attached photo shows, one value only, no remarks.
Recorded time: 4:30:52
